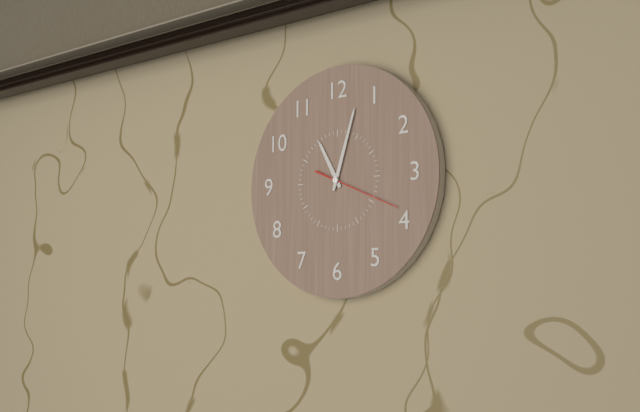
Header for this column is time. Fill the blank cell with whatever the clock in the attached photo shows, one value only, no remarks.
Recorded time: 11:03:19
